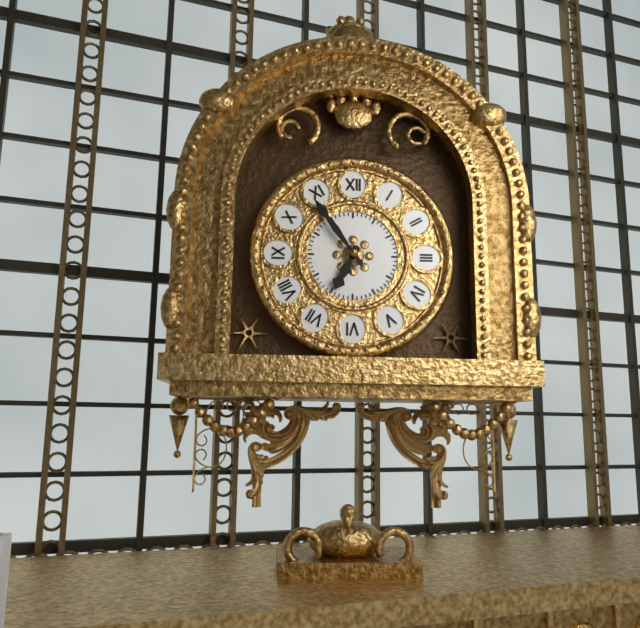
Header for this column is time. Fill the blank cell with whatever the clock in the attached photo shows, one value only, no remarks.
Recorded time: 6:54
